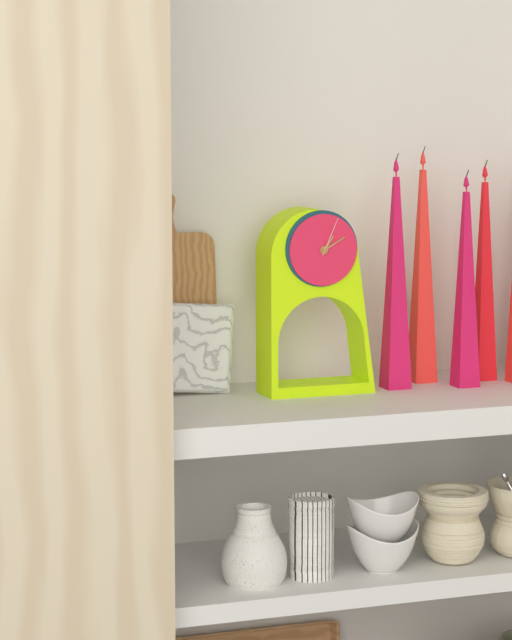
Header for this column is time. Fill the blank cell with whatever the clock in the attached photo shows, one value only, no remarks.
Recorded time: 1:10
